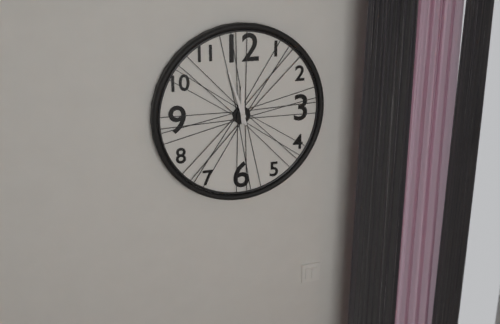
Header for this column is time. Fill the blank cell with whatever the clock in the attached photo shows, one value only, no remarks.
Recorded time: 11:57
